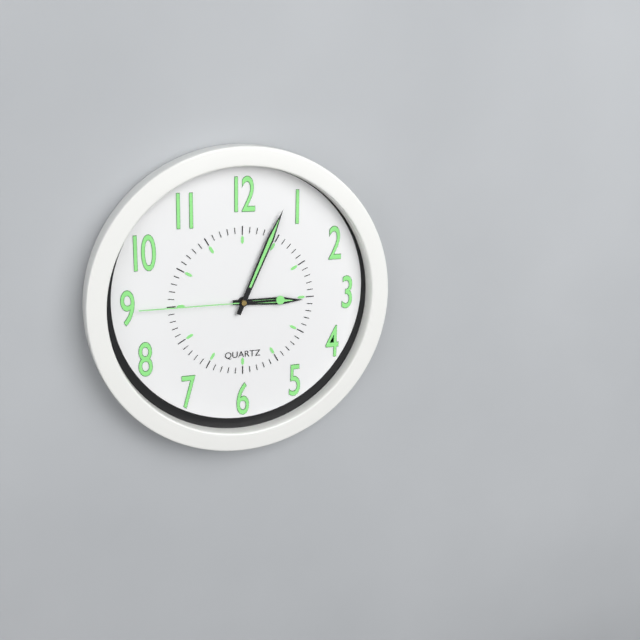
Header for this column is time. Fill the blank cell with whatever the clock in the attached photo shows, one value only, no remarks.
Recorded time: 3:04:45
